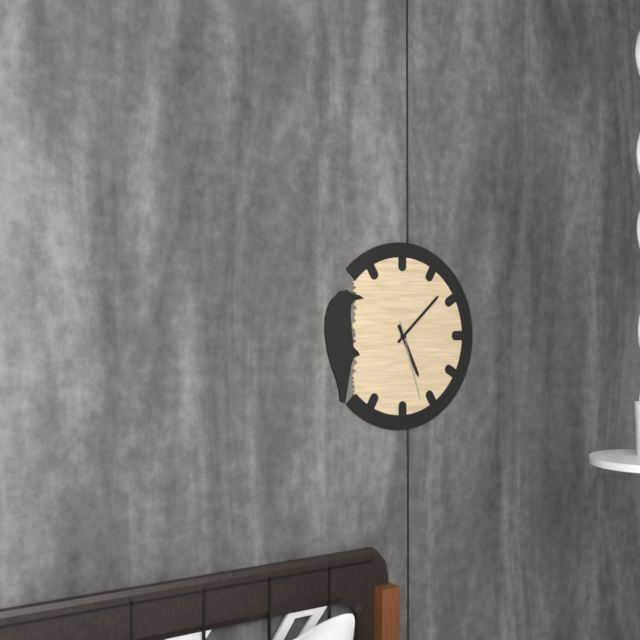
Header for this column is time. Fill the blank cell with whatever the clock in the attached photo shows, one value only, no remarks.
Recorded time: 5:08:27
